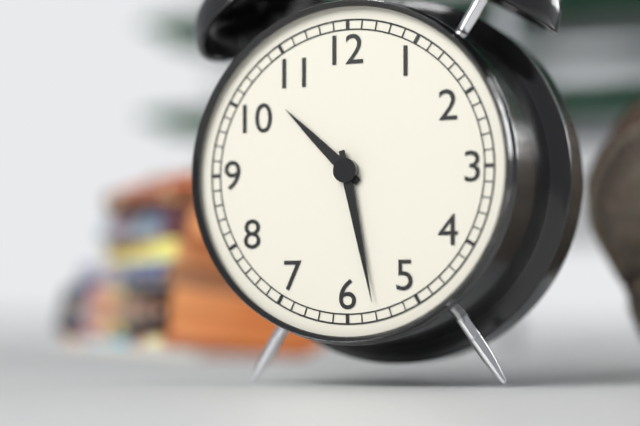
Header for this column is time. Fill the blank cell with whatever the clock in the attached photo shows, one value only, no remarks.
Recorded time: 10:28
